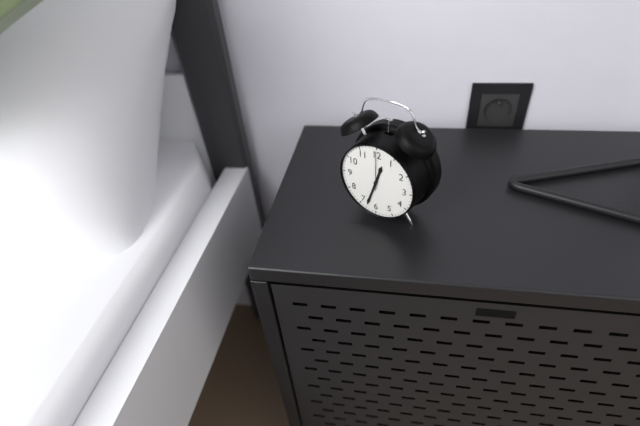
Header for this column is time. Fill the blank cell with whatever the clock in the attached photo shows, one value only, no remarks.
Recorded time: 12:33
